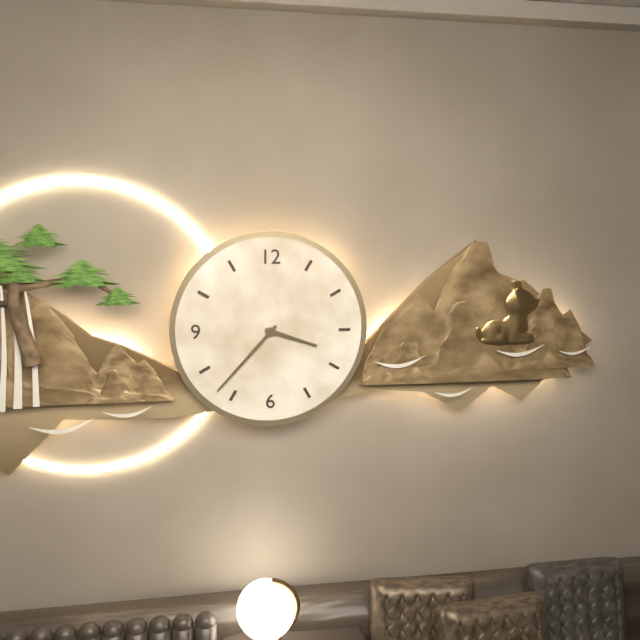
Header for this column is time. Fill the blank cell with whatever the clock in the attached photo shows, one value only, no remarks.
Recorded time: 3:37
